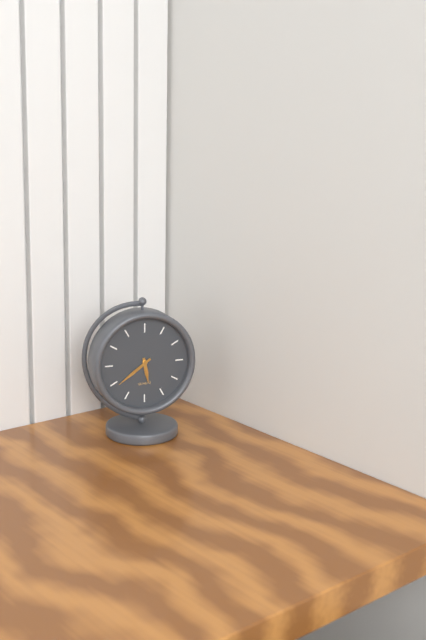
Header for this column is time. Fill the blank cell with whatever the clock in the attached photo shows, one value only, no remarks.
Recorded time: 5:39
